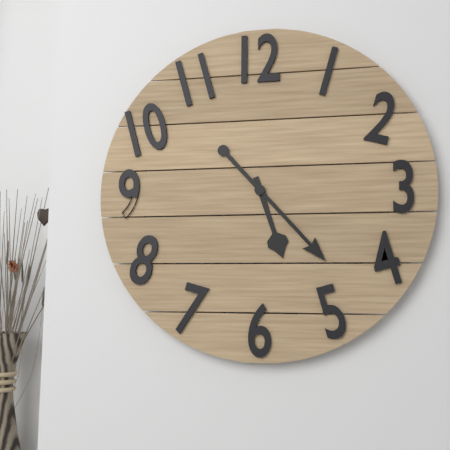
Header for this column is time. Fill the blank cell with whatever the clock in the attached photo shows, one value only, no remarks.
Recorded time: 5:23
